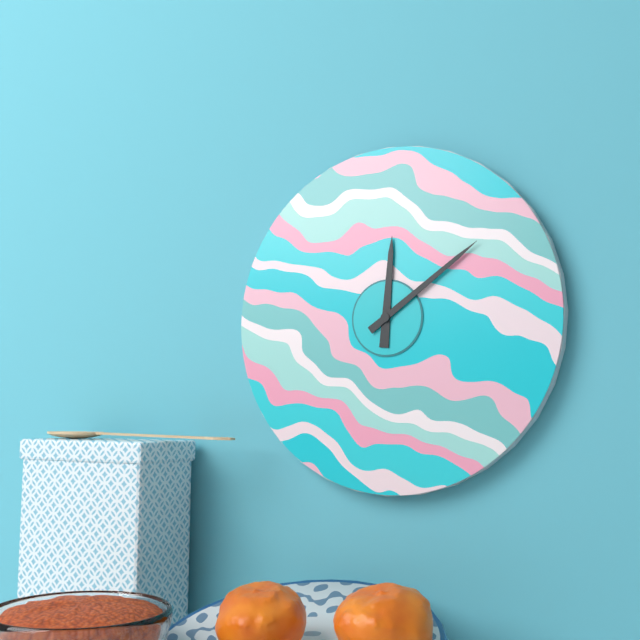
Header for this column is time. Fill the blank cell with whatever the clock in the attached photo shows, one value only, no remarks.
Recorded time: 12:09
